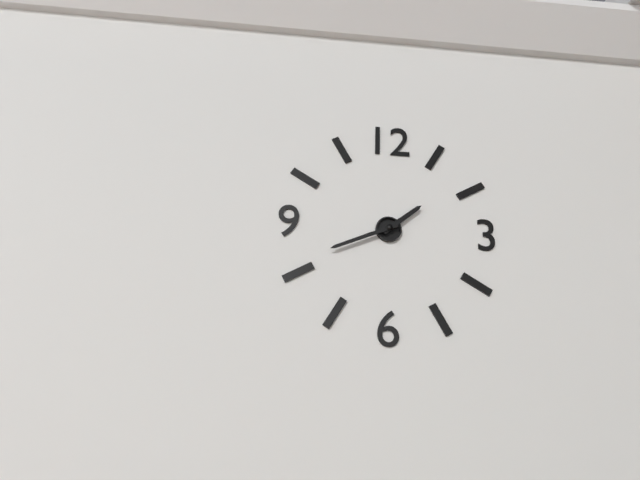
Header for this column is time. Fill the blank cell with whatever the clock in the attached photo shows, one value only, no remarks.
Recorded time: 1:41
